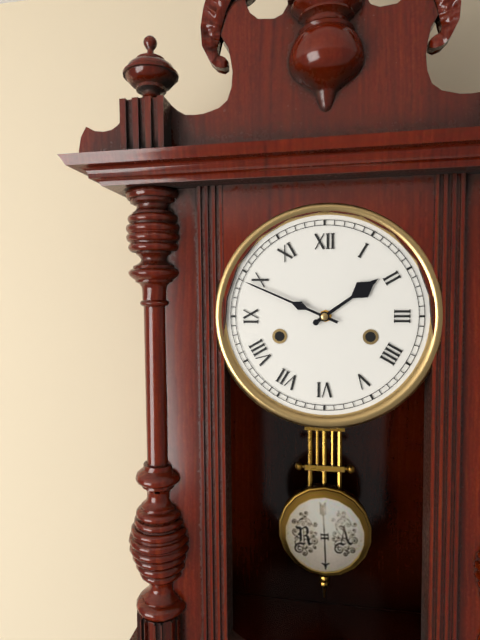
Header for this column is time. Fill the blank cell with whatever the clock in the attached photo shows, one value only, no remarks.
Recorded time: 1:49
